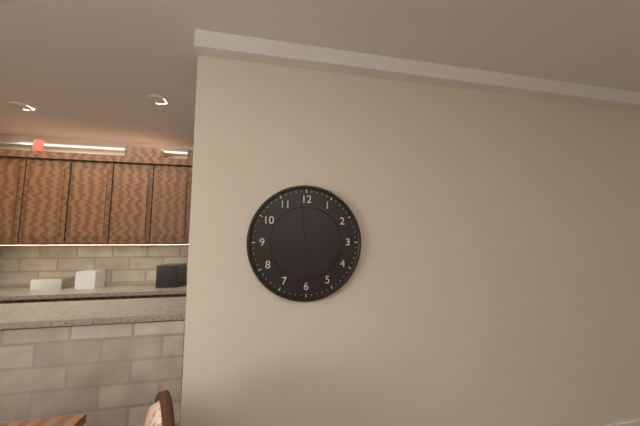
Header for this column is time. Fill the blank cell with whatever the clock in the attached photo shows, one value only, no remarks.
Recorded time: 9:59
